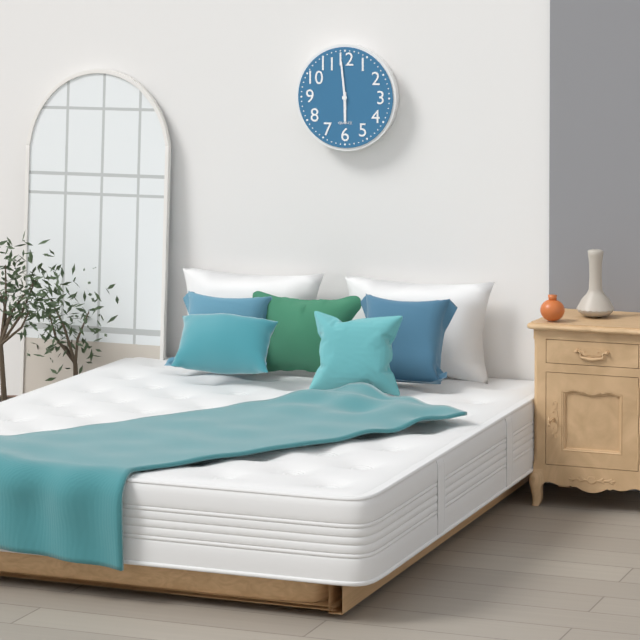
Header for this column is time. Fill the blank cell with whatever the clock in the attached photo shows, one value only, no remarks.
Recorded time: 5:59
